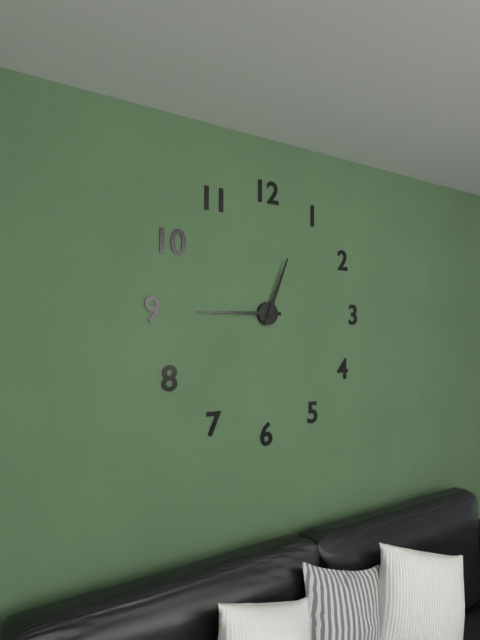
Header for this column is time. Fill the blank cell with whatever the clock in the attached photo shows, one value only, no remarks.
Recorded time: 12:45
